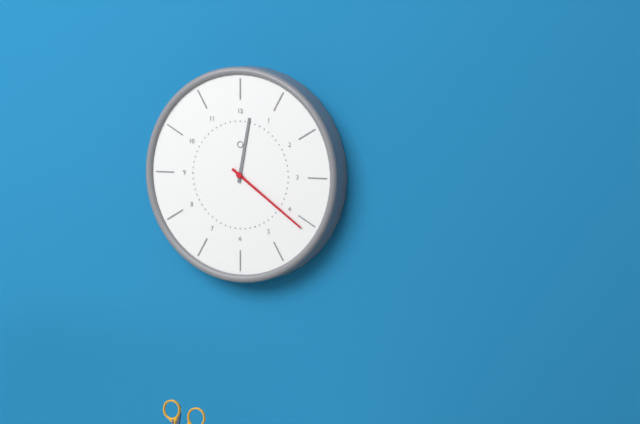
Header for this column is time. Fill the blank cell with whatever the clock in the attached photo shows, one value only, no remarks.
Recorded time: 12:21
